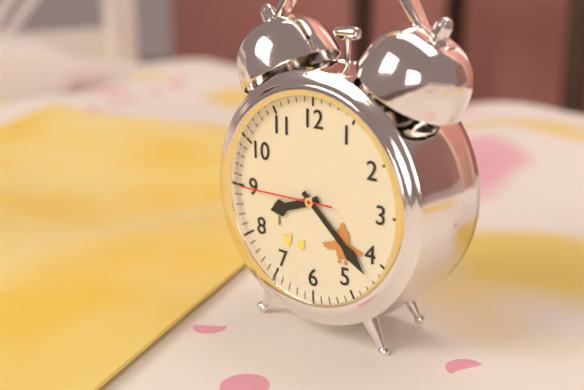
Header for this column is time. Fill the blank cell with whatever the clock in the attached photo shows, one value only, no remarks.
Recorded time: 8:22:45
